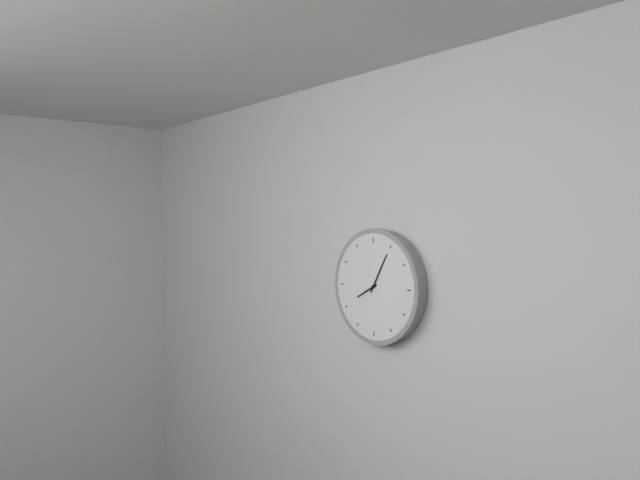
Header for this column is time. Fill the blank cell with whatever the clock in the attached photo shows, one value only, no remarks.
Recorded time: 8:05
